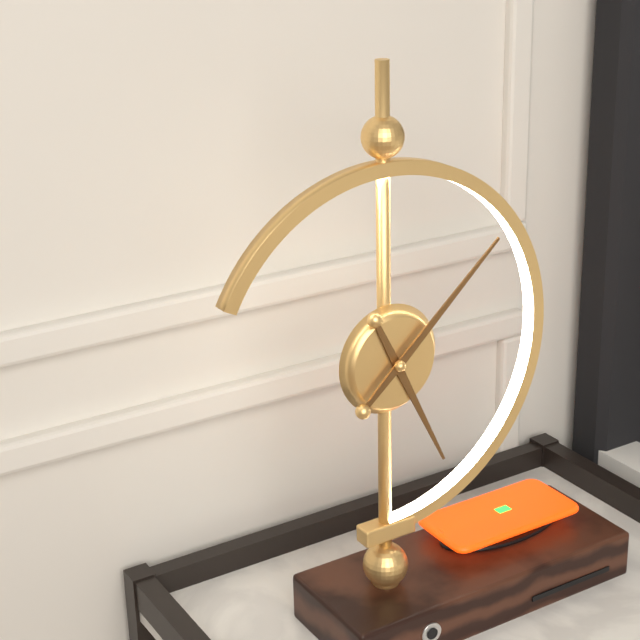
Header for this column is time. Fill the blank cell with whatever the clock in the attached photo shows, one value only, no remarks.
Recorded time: 5:08
